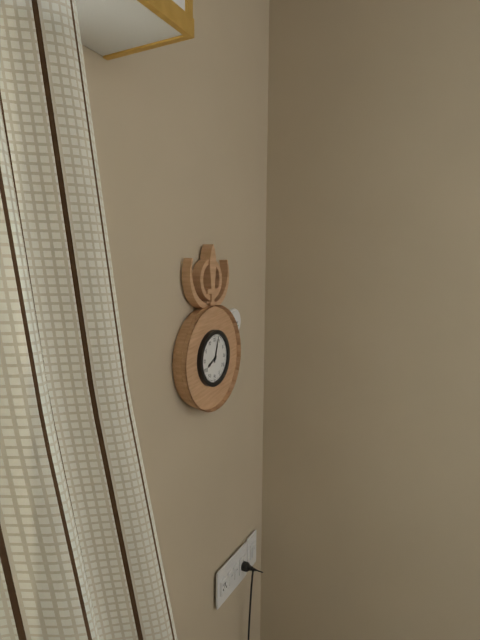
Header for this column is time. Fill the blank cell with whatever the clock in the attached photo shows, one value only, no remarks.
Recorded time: 8:03
